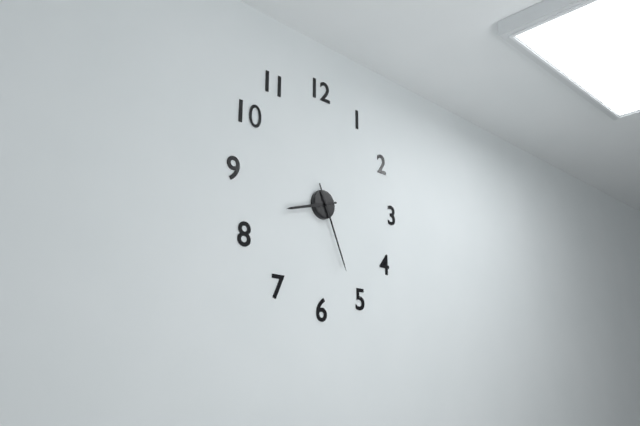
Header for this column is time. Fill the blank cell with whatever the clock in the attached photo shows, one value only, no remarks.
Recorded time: 8:26
